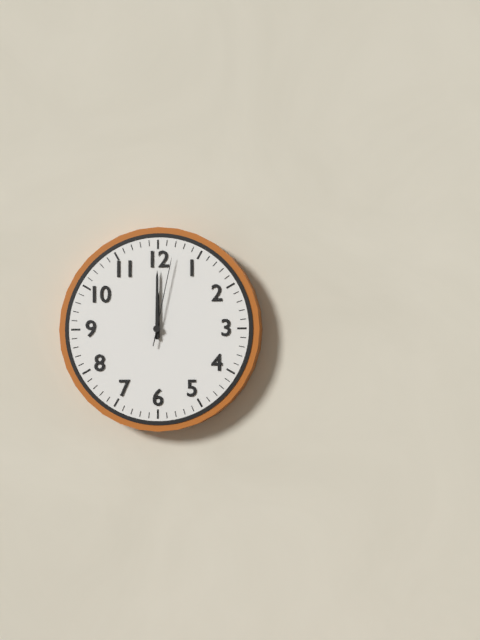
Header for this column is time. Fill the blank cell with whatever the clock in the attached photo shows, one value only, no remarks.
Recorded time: 12:00:02
